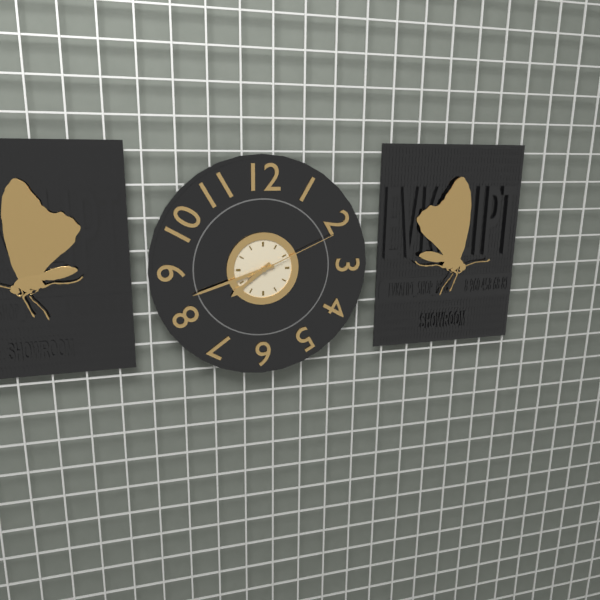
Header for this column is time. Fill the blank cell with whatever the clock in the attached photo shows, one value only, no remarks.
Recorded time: 7:42:11
